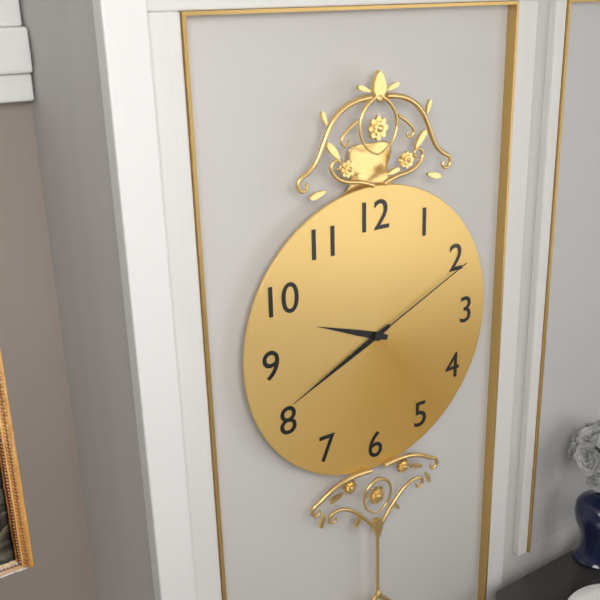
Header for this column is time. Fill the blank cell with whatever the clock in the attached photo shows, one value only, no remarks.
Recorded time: 9:41:11
